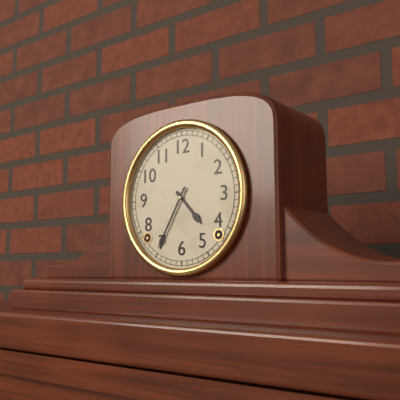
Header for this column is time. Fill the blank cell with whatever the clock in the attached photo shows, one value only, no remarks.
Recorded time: 4:35
